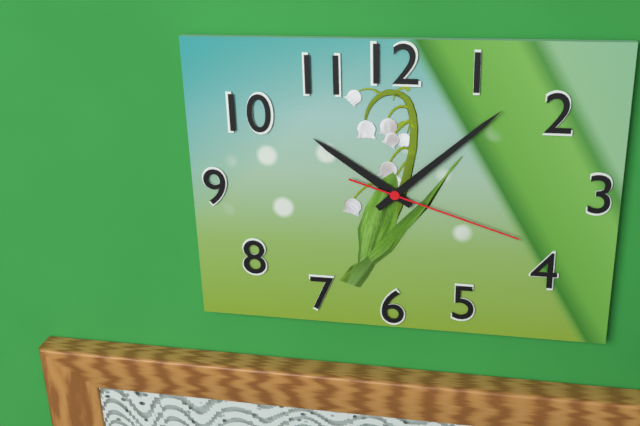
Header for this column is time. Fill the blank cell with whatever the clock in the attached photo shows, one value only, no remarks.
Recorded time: 10:08:18
